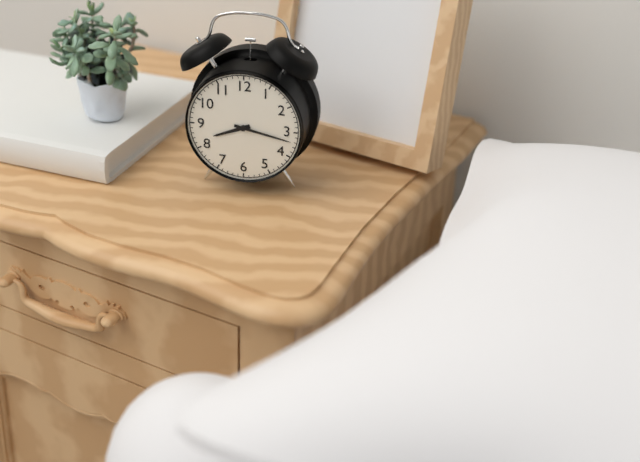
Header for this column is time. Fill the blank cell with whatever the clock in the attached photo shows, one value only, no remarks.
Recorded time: 8:17
